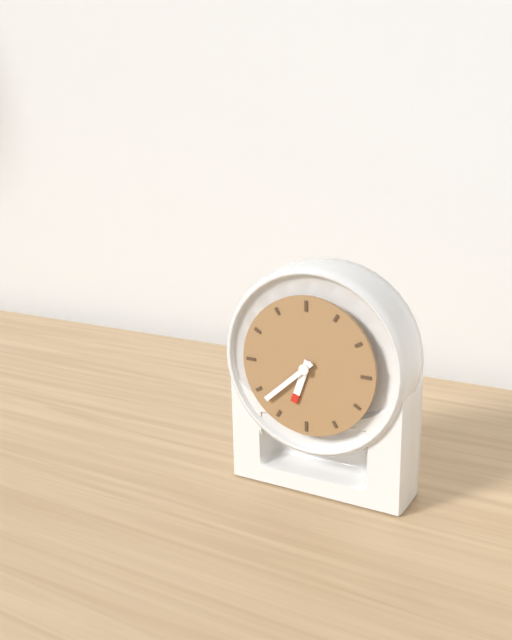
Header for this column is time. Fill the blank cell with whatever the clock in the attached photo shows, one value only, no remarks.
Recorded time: 6:38
